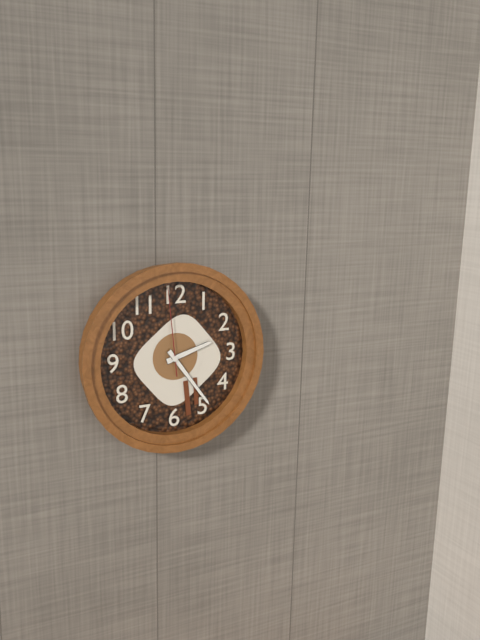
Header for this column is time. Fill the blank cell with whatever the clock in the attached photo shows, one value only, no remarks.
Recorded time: 2:24:59
